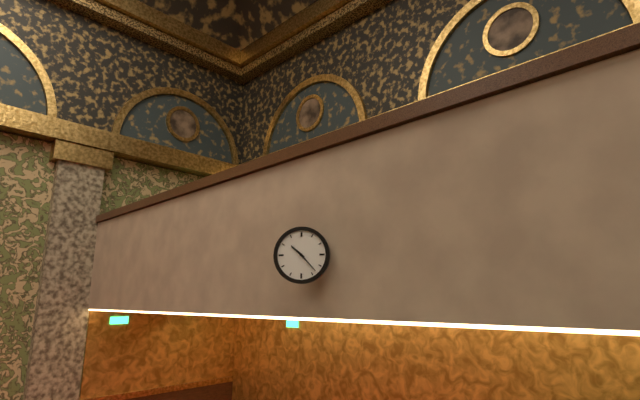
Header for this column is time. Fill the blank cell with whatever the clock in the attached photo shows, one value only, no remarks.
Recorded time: 10:23
